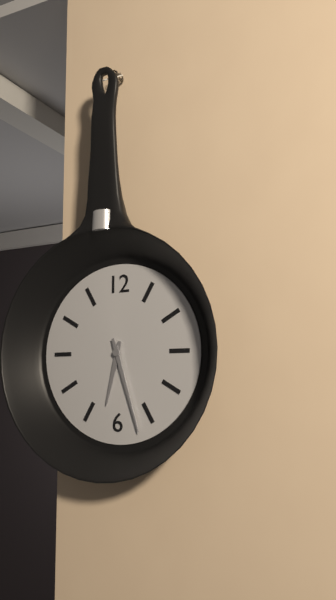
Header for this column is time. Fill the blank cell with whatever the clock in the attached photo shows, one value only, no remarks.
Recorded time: 6:27
